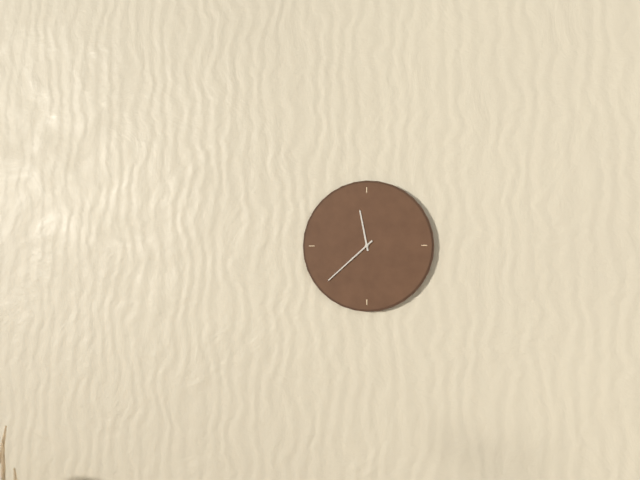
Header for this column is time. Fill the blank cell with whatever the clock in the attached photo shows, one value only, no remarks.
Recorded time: 11:38
